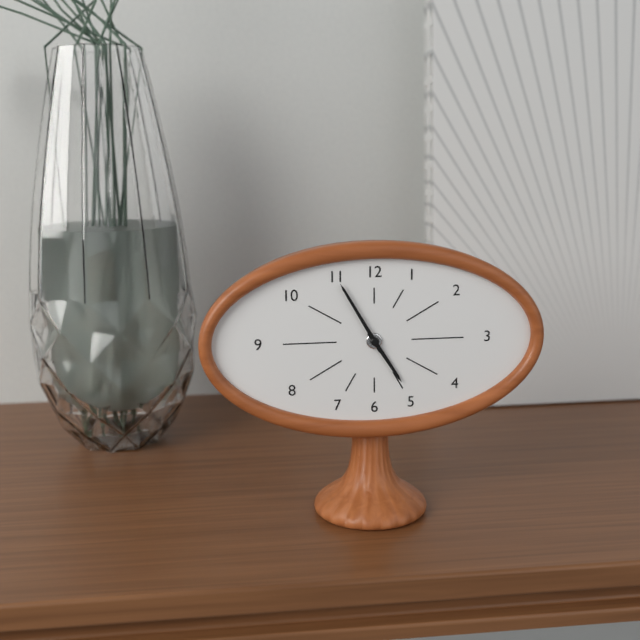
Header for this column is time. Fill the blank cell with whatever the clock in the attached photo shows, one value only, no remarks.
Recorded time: 4:55
